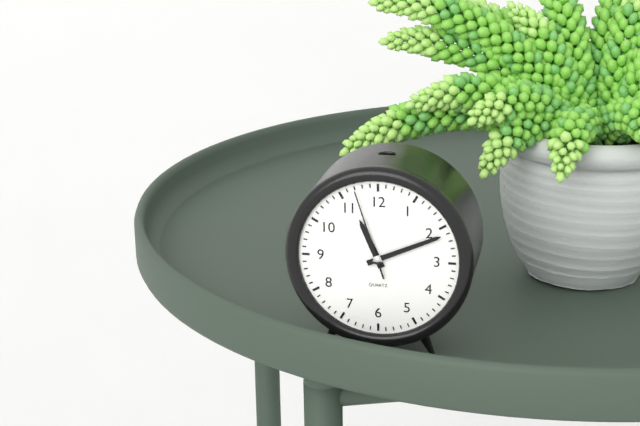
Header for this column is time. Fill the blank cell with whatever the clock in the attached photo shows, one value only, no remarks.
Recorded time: 11:11:57
